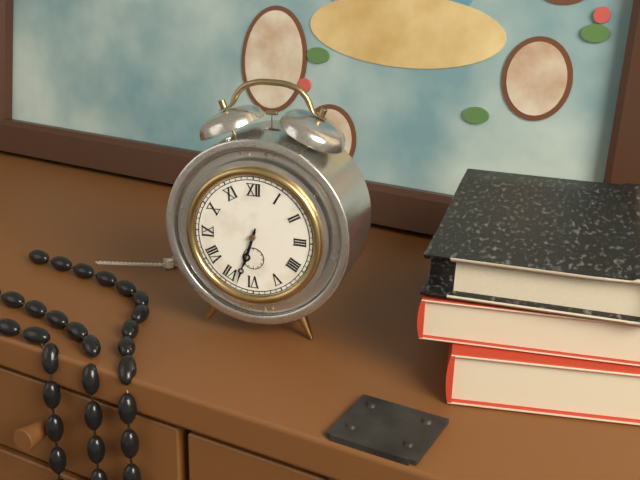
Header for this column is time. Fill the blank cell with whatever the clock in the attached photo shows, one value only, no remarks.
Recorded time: 6:33
